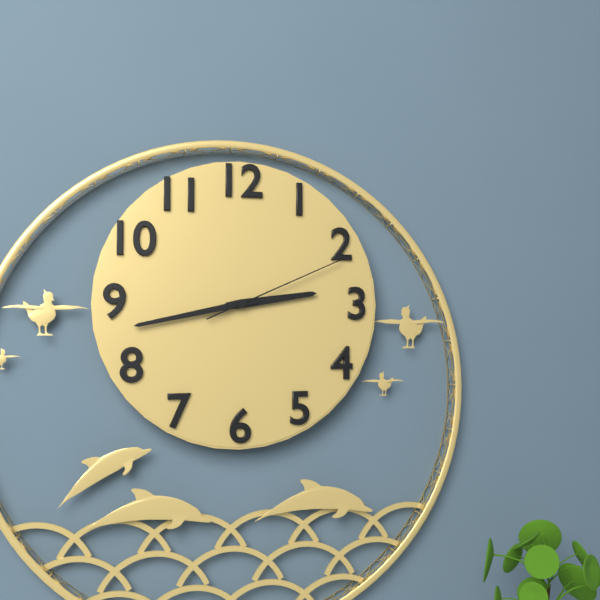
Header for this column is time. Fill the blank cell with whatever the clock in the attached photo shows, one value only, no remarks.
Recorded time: 2:43:11
